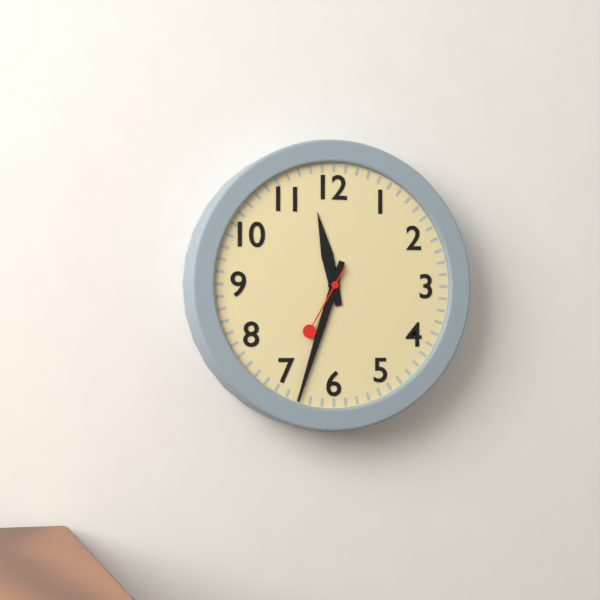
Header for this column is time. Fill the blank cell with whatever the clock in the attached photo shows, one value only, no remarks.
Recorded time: 11:33:35
